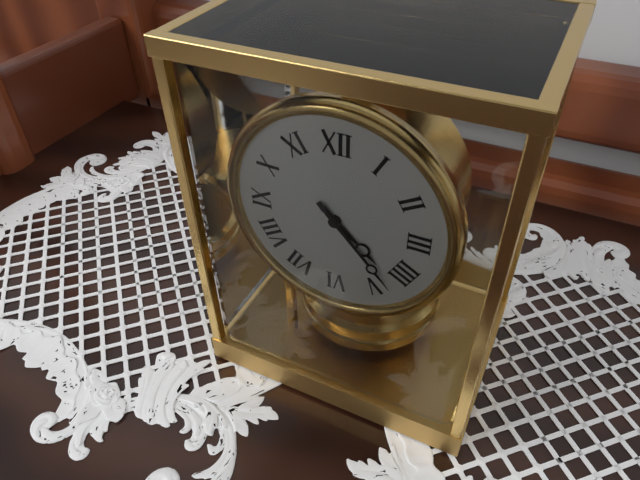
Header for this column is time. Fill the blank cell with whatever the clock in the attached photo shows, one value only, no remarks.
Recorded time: 4:23
